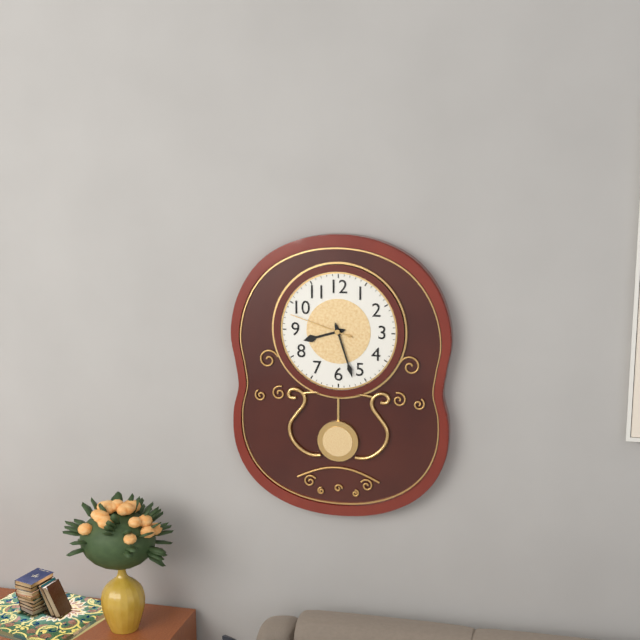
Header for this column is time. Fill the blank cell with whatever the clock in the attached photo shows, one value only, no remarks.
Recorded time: 8:27:48
